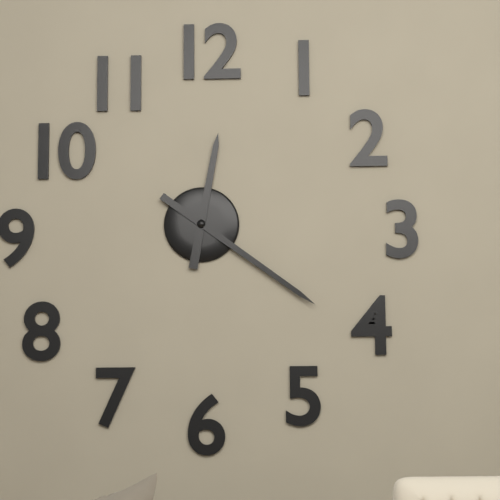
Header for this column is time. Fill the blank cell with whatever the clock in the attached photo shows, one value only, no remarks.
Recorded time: 12:21
